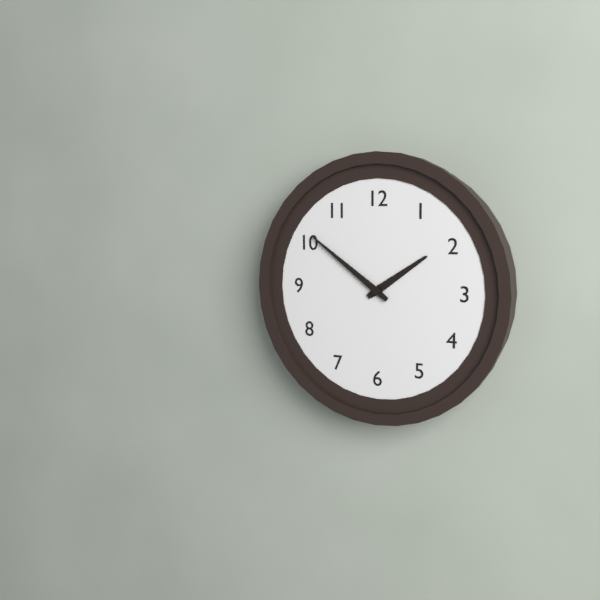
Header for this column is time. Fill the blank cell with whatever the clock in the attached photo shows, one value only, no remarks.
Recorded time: 1:51
